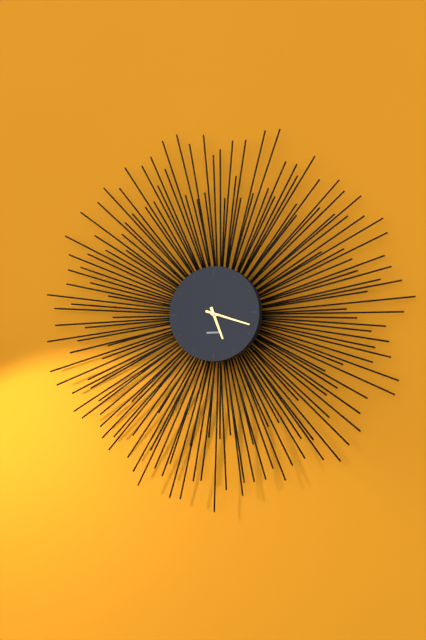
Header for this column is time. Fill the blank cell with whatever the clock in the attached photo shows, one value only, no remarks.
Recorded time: 5:18
